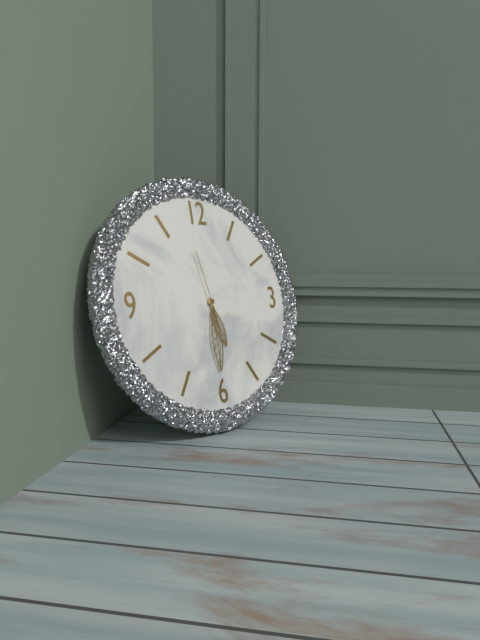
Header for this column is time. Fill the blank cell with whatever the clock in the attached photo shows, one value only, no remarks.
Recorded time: 5:30:58
